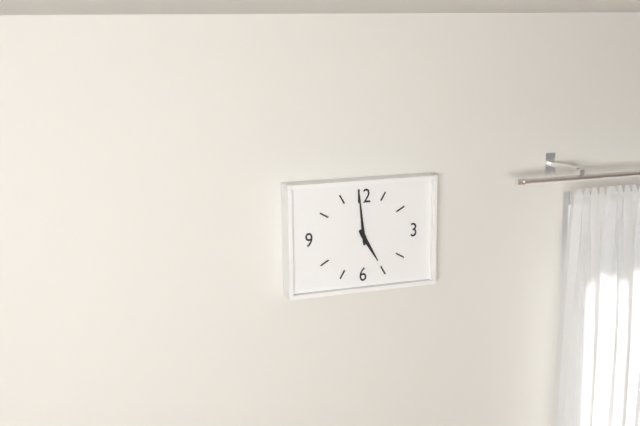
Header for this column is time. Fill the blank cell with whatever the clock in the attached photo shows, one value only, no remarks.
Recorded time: 4:59
